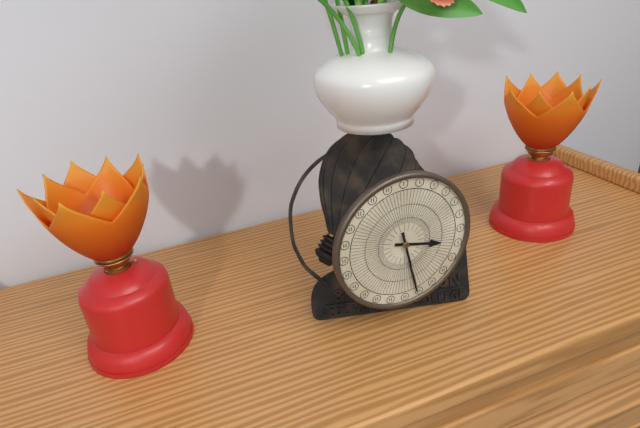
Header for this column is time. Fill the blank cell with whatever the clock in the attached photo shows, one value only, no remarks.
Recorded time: 3:28
